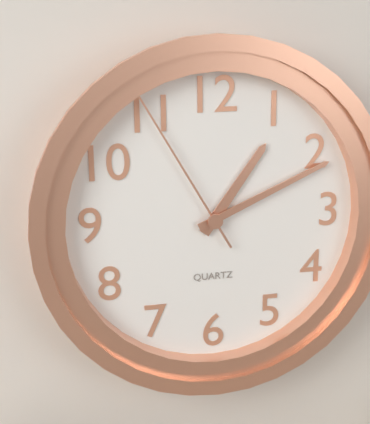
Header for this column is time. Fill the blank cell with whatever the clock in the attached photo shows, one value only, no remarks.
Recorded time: 1:11:55
